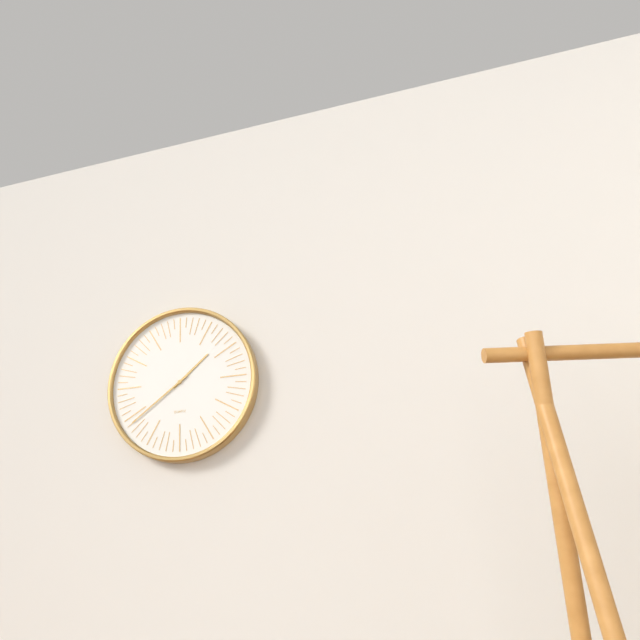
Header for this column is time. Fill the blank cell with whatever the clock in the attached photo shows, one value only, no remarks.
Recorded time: 1:39
